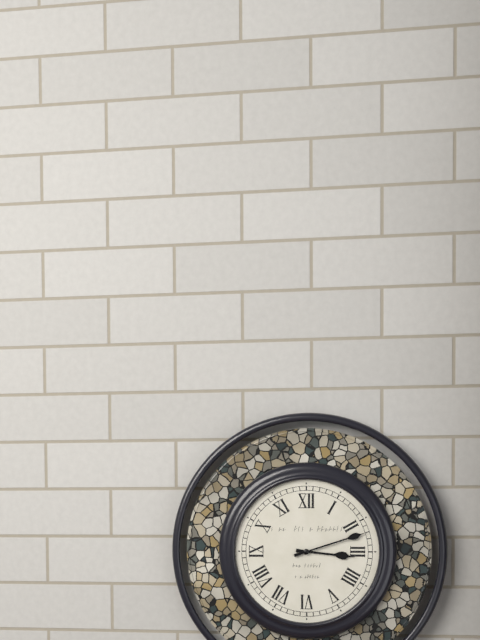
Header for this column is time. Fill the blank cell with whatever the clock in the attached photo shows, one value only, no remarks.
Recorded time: 3:12
